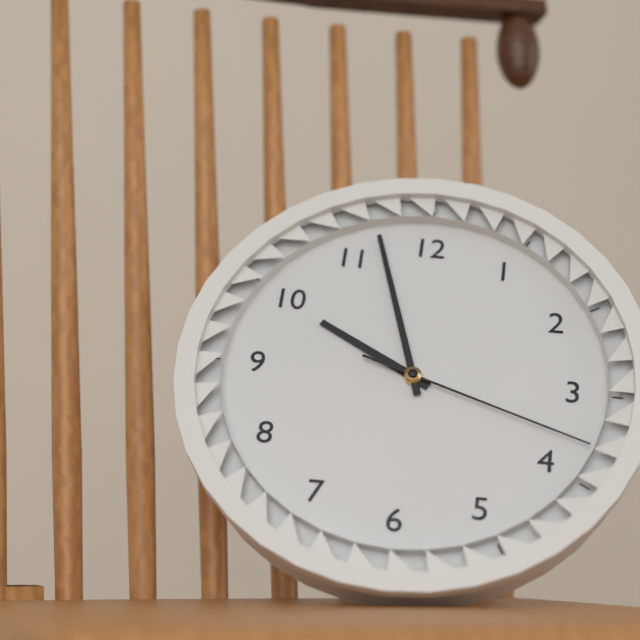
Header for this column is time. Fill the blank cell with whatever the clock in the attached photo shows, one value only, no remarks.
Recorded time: 9:57:18
